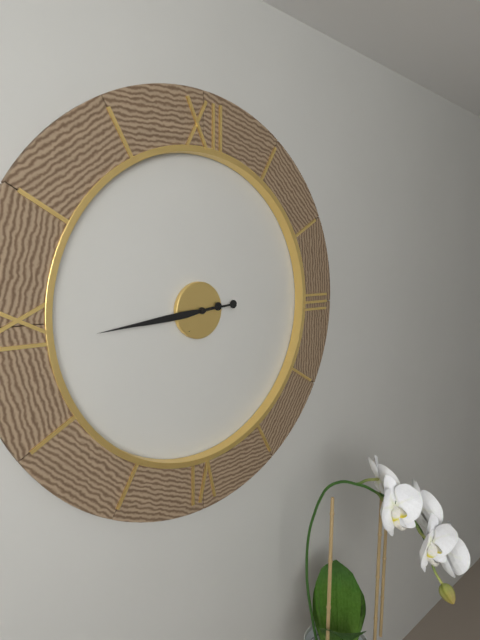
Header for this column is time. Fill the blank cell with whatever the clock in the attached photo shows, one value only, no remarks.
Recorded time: 8:44
